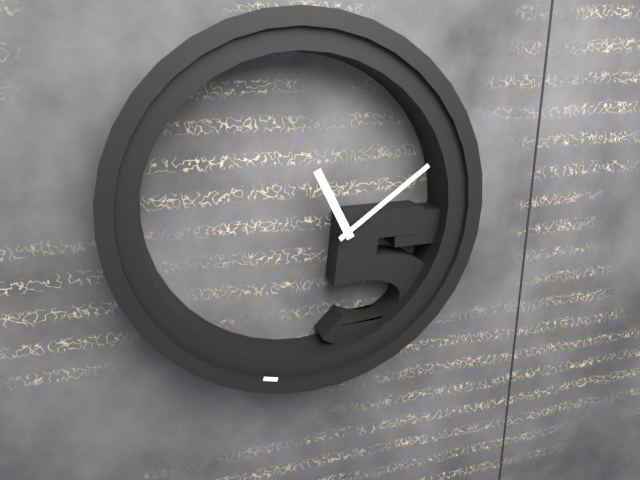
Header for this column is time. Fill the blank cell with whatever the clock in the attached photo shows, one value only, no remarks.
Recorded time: 11:09
